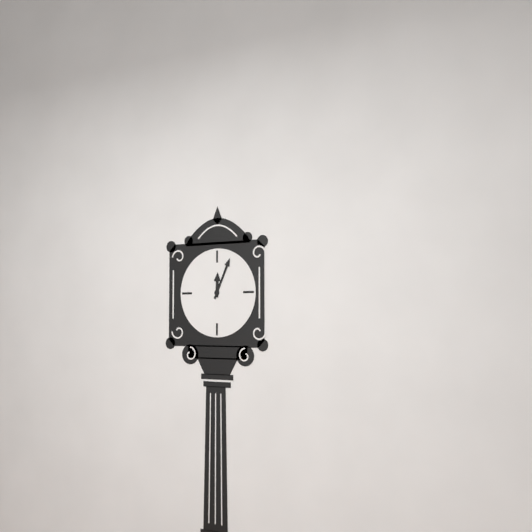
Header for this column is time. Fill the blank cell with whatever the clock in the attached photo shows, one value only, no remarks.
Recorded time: 12:04
